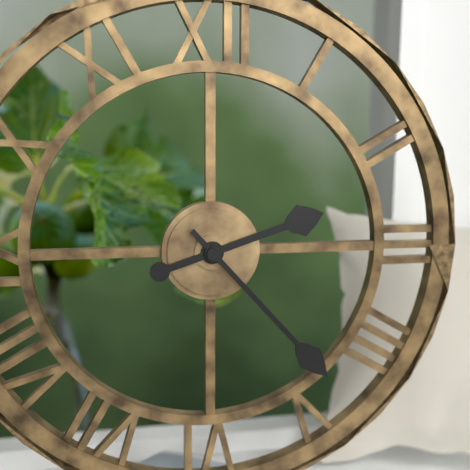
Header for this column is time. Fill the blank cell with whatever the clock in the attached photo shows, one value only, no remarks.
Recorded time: 2:23
